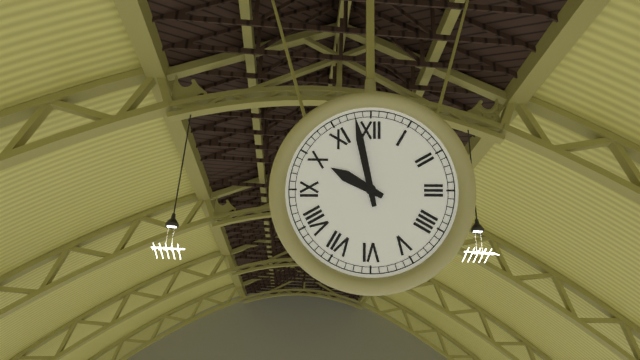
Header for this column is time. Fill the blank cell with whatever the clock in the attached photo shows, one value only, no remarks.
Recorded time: 9:58
